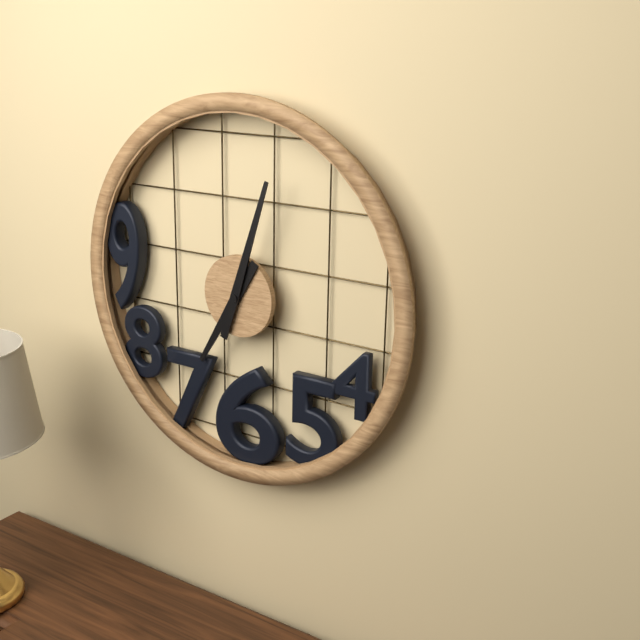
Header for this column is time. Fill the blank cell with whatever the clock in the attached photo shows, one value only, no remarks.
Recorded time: 7:03
